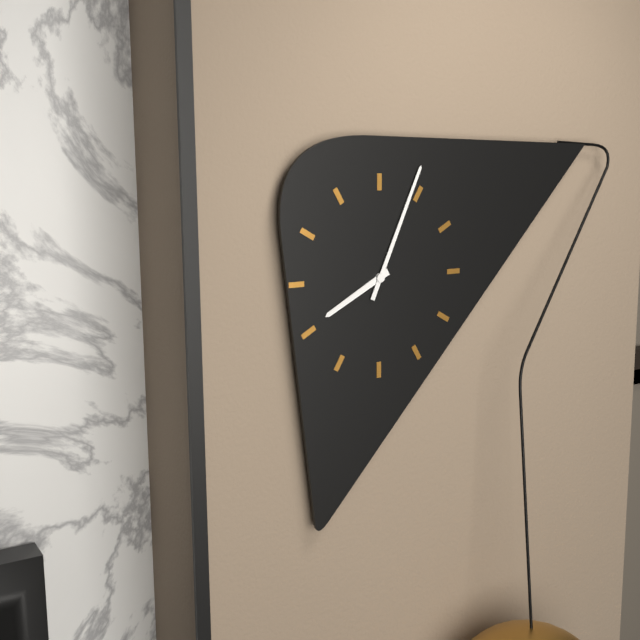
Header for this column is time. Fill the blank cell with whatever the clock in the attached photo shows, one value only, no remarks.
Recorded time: 8:04
